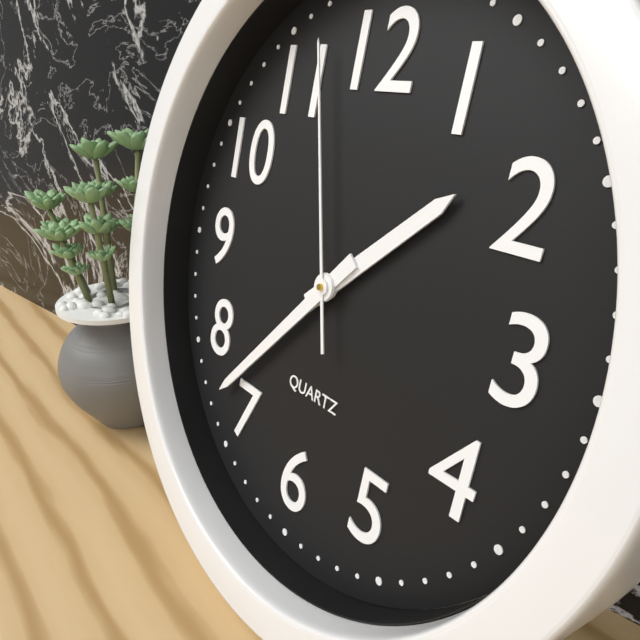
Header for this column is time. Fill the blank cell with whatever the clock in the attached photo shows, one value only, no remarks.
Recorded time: 1:37:57
